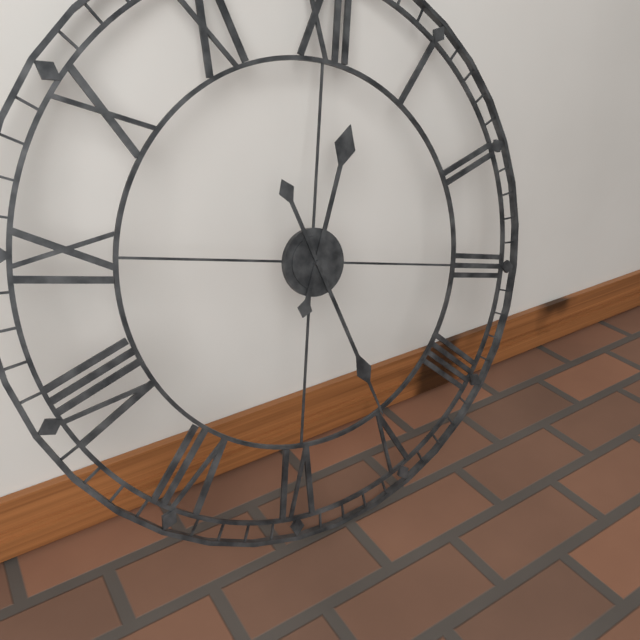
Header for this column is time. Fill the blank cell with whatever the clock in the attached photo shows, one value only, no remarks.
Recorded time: 12:25
